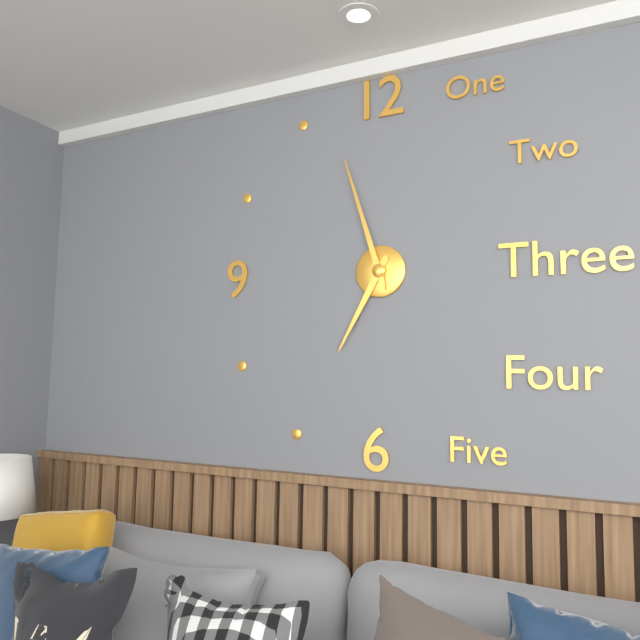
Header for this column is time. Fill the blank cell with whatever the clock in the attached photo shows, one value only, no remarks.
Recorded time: 6:57
